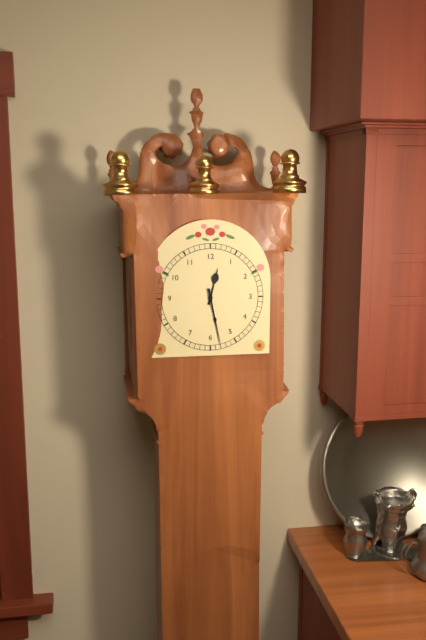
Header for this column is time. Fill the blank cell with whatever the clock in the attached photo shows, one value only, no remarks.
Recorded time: 12:28
